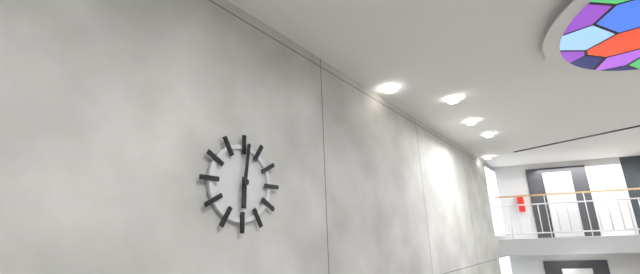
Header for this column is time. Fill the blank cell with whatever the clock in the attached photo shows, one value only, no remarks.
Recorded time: 6:01
